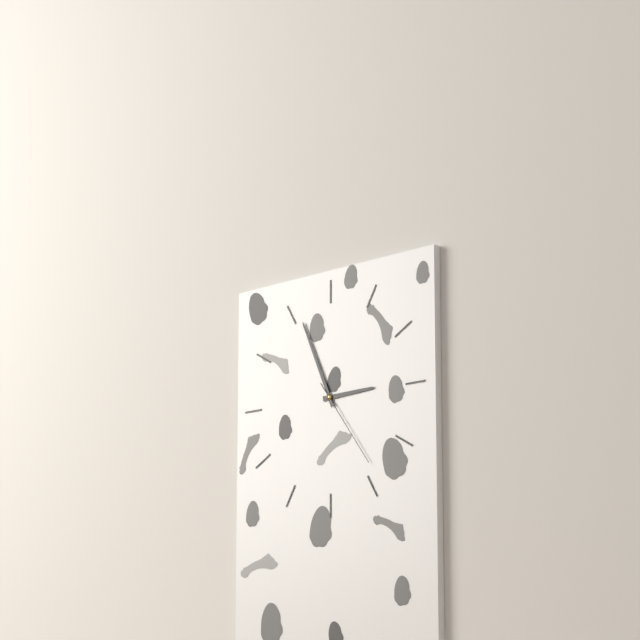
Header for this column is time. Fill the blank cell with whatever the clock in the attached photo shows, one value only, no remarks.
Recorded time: 2:56:24
